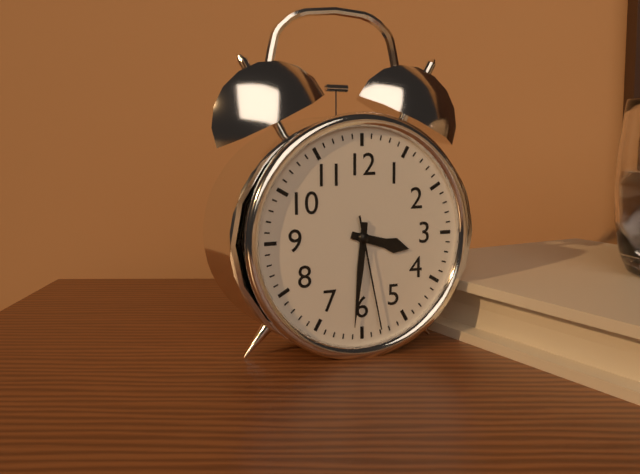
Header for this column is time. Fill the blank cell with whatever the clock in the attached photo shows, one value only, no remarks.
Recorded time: 3:31:28
